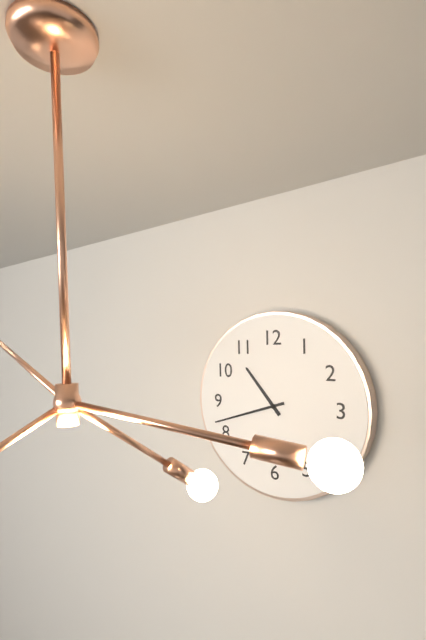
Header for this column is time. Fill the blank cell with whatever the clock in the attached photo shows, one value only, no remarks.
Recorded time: 10:42
